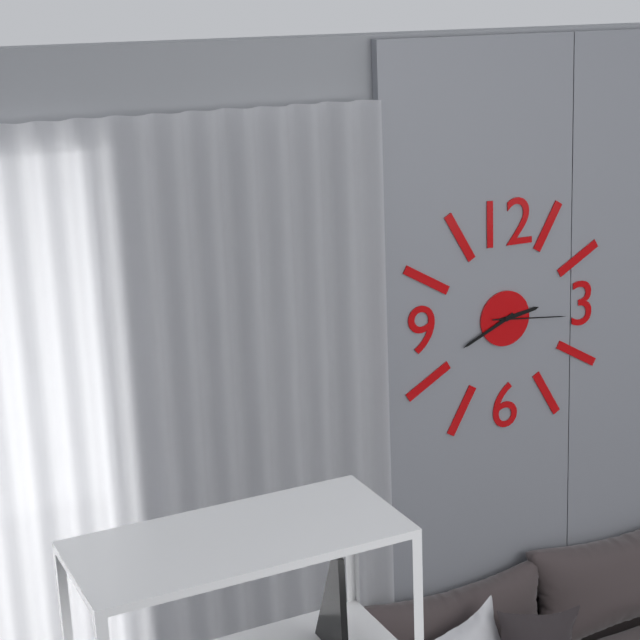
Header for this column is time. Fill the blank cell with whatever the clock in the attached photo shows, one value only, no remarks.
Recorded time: 2:41:16
